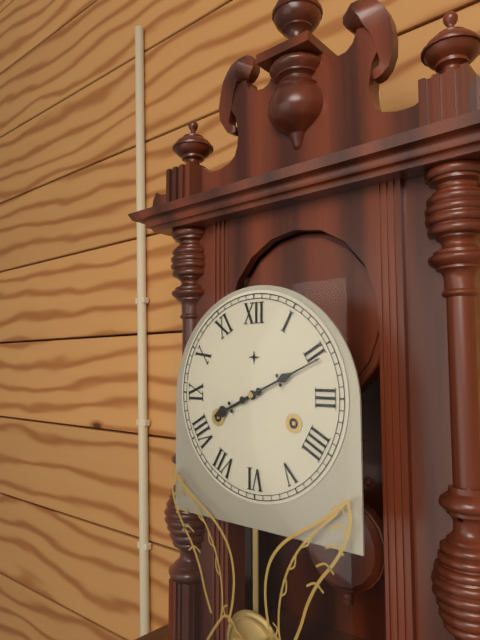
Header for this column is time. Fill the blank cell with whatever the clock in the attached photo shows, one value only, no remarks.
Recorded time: 8:11
